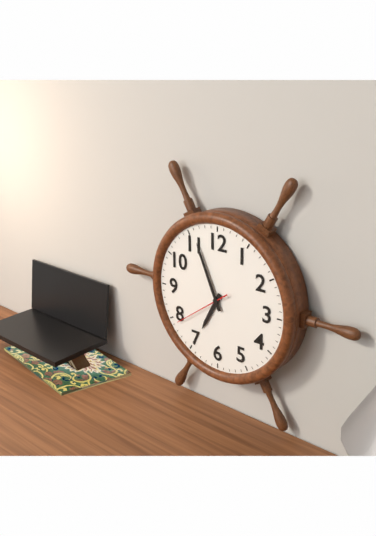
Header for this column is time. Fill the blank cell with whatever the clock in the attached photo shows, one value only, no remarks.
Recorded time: 6:56:39
